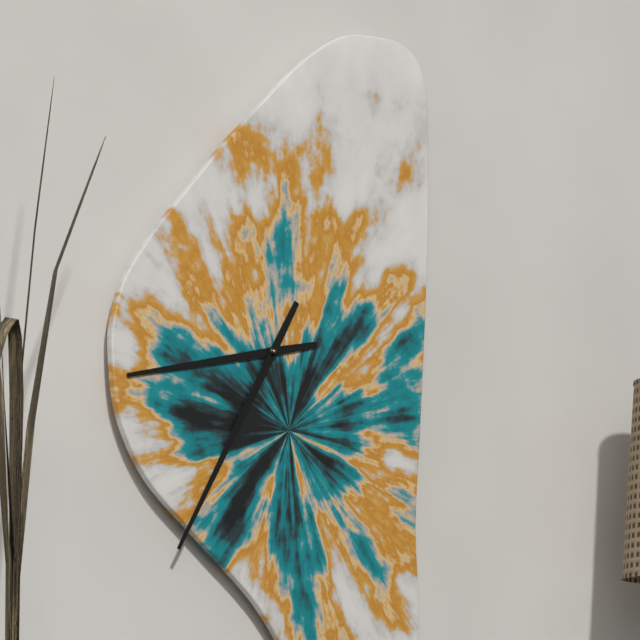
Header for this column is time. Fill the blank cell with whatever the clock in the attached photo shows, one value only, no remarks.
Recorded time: 8:35
